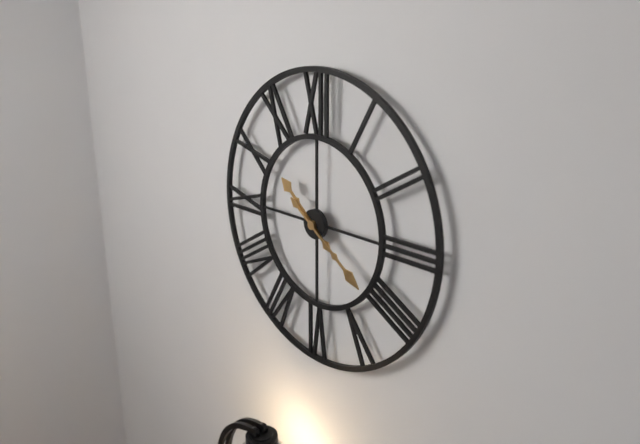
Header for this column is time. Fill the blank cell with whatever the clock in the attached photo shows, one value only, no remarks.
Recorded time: 10:21
